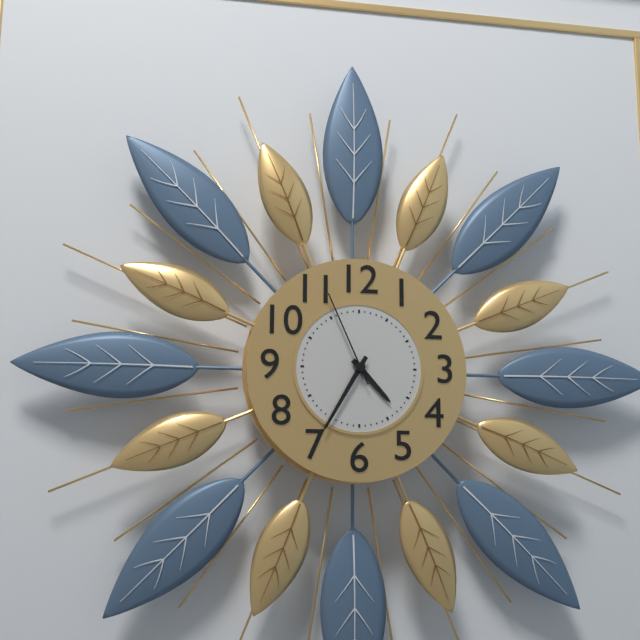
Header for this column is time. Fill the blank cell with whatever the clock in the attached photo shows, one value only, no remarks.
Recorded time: 4:35:56
